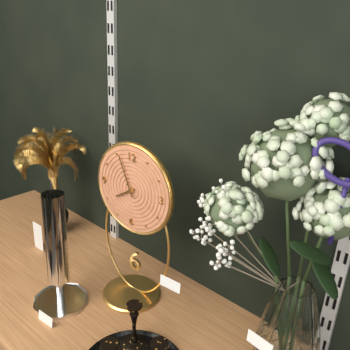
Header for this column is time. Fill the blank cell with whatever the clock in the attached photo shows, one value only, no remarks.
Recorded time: 7:56
